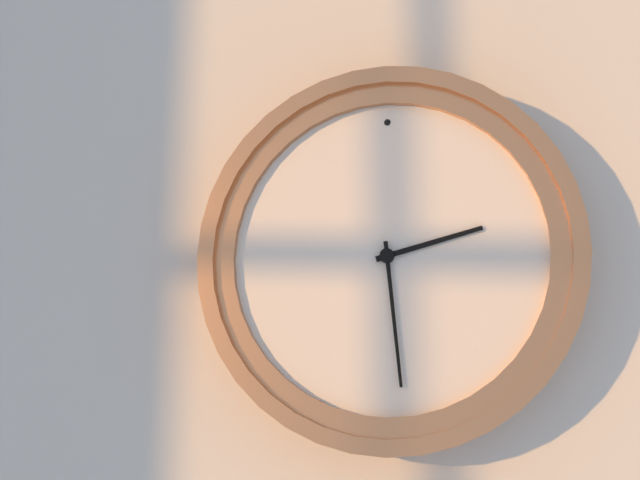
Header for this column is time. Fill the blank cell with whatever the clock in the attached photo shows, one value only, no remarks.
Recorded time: 2:29
